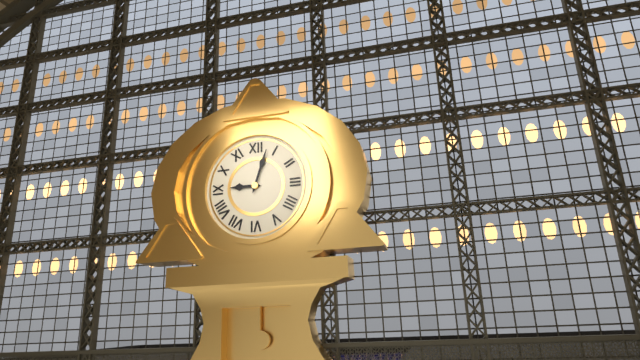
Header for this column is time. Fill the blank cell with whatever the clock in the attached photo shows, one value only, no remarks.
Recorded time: 9:03
